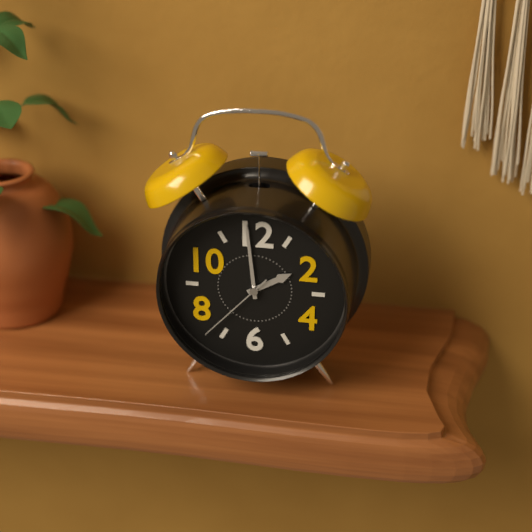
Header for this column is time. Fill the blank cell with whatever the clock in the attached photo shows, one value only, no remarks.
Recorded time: 1:59:37
